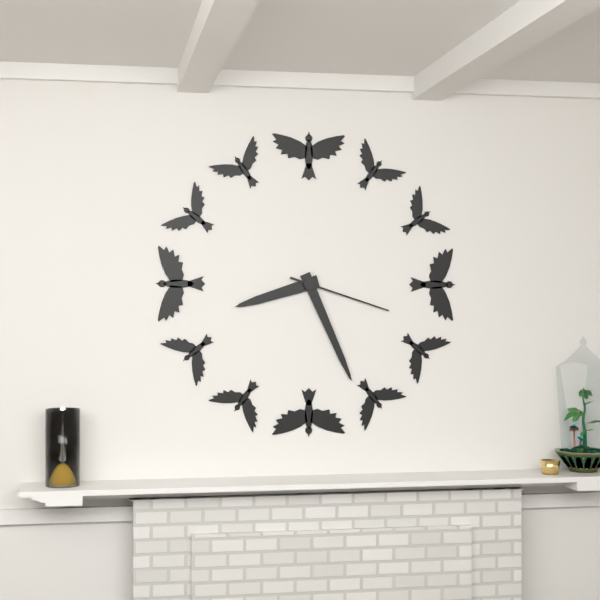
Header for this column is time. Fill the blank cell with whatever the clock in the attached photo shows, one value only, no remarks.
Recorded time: 8:26:18
